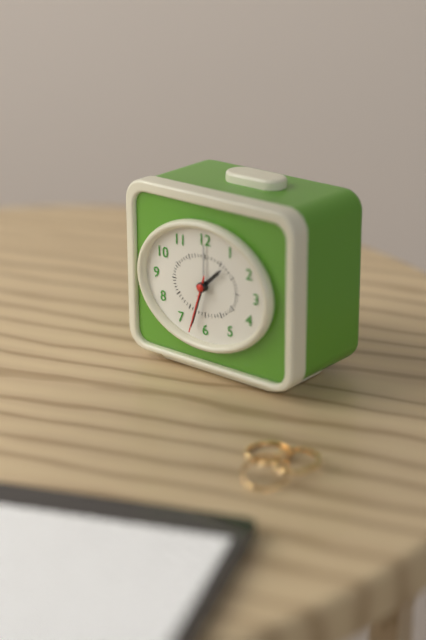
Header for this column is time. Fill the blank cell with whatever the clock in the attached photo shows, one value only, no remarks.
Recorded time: 1:33:33
